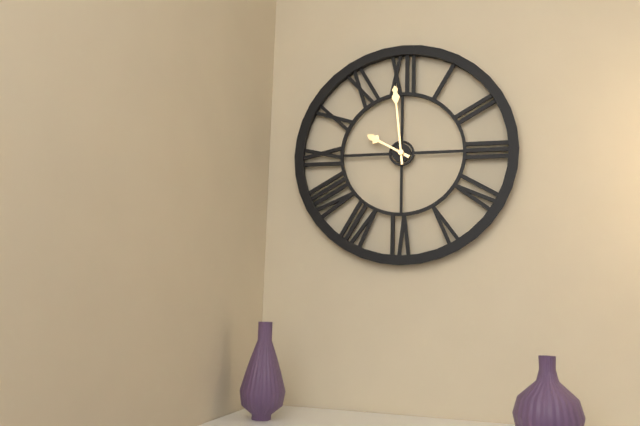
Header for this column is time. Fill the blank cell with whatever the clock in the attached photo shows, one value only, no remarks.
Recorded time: 9:59
